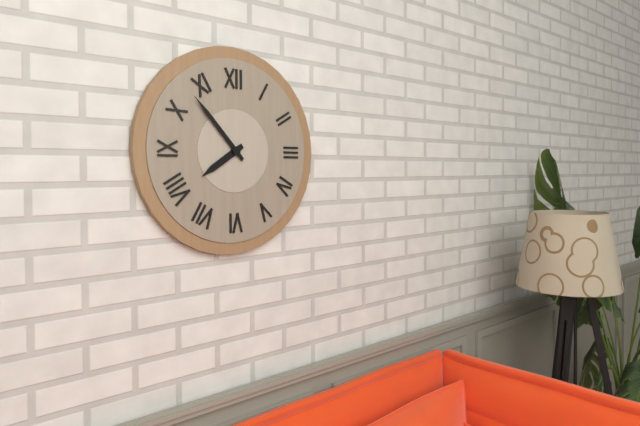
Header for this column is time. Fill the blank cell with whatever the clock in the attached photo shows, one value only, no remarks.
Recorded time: 7:53
